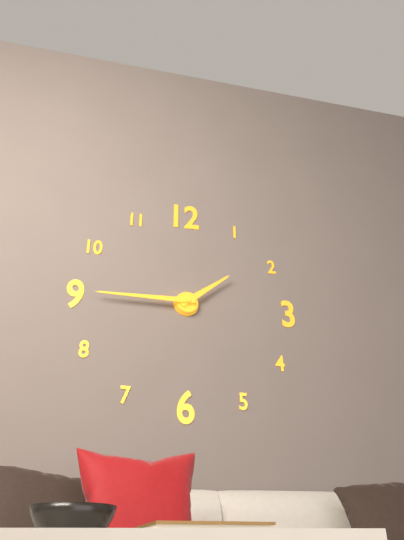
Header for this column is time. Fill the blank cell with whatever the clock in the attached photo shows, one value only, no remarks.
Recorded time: 1:45
